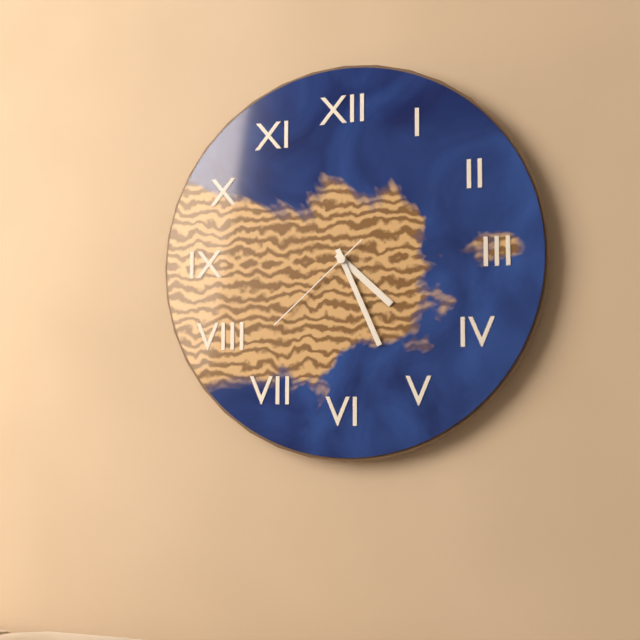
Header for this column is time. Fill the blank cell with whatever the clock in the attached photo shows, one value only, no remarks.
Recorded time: 4:26:38
